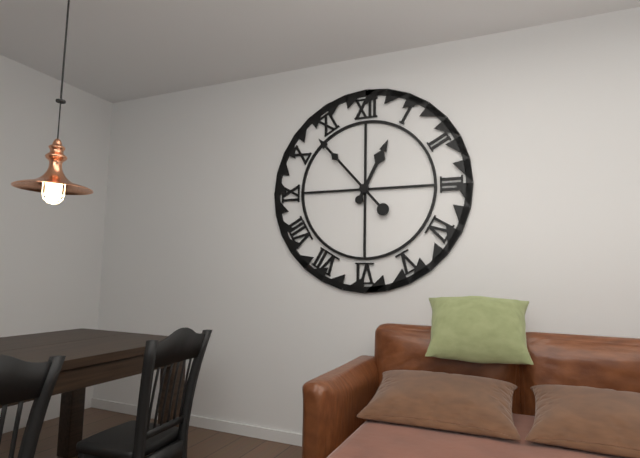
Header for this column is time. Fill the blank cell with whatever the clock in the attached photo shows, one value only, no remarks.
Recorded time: 12:53
